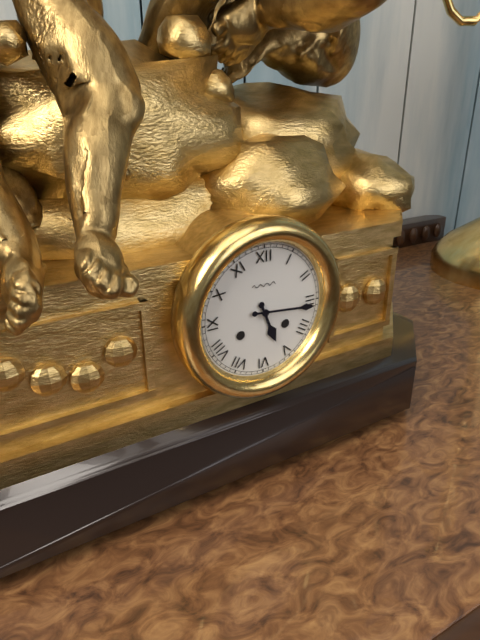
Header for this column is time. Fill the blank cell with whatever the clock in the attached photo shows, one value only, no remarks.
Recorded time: 5:16
